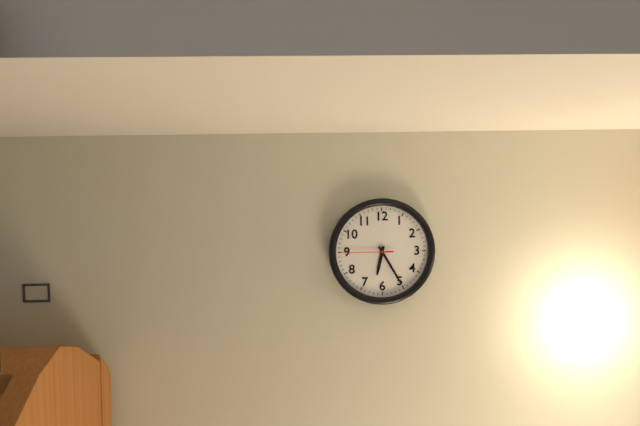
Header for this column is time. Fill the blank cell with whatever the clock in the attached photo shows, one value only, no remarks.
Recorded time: 6:25
